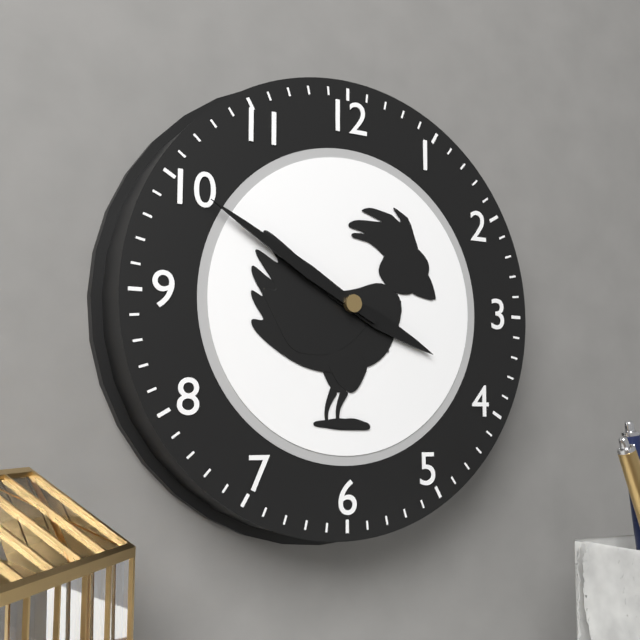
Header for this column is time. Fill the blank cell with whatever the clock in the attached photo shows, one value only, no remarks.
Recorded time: 3:50
